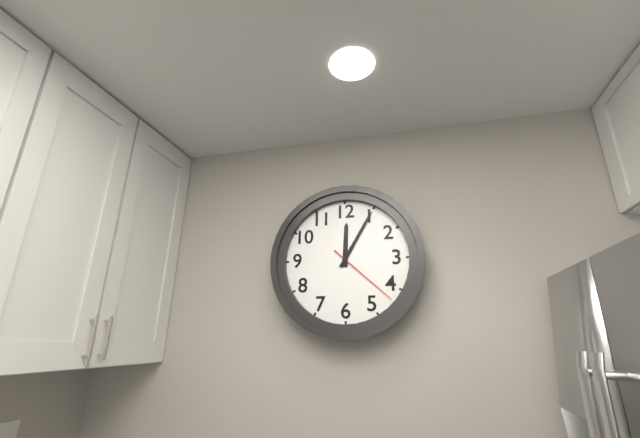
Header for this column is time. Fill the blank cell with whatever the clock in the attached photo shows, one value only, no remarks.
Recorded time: 12:05:22
